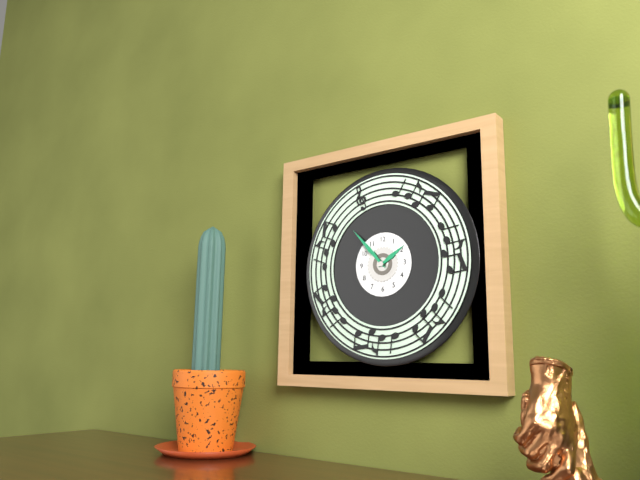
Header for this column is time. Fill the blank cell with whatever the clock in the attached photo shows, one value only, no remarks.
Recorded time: 1:53
